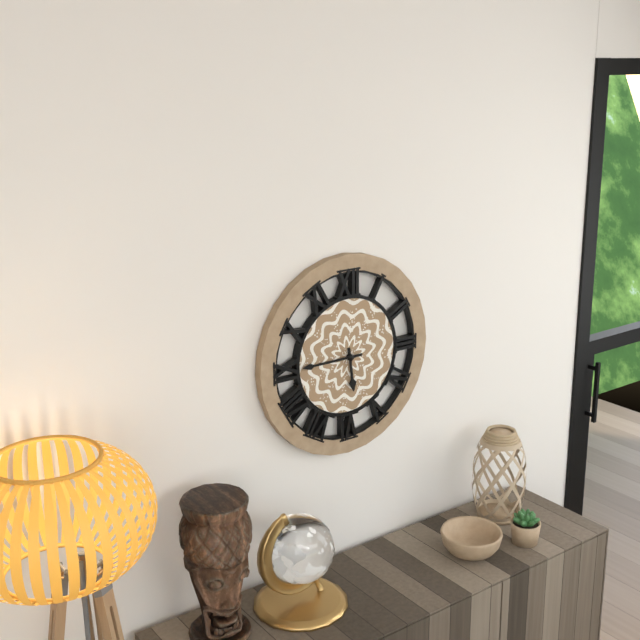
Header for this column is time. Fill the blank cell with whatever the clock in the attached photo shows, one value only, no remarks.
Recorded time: 5:45
